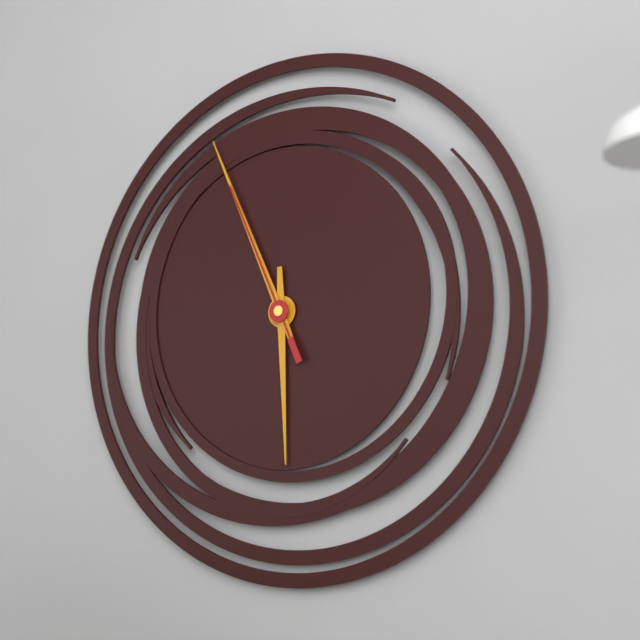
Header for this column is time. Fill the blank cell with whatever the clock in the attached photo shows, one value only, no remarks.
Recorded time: 5:56:56
